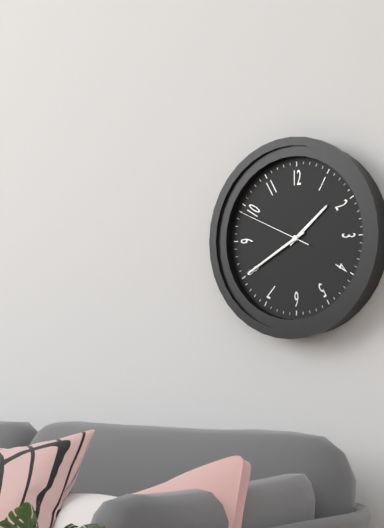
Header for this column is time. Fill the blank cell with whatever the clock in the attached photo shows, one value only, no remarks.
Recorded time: 1:40:49
